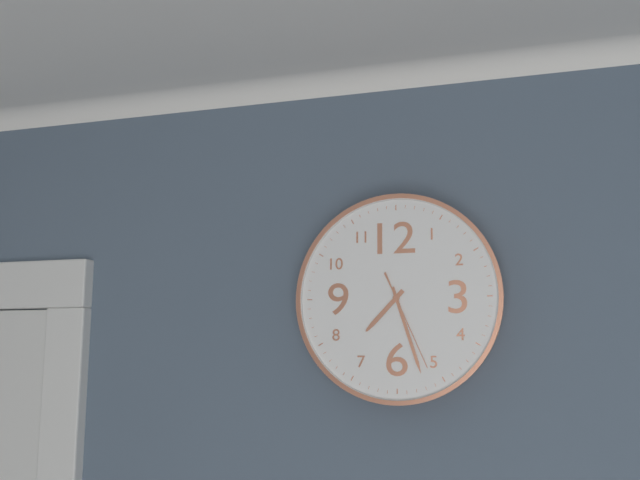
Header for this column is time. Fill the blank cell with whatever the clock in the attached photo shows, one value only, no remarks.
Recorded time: 7:27:26
